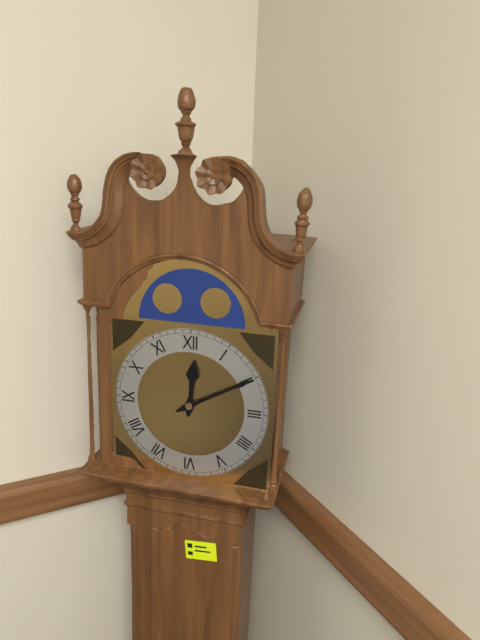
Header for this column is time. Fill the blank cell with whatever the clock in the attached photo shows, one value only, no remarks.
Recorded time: 12:10
